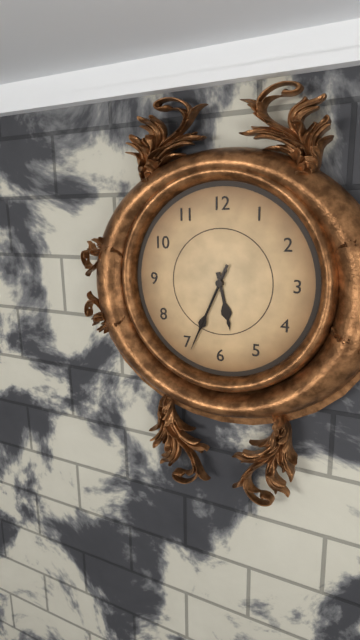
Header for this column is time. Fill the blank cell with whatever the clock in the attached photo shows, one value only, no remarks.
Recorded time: 5:34:34
